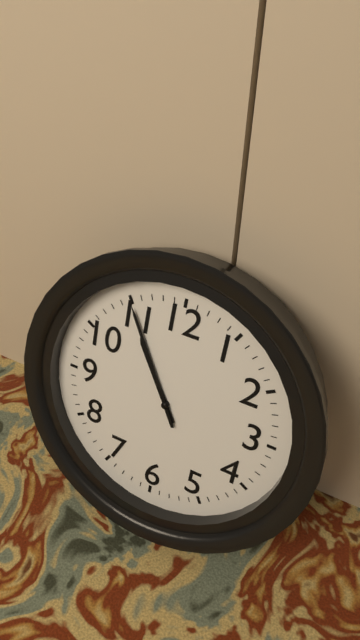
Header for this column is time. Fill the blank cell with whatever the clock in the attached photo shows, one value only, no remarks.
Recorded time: 10:55
